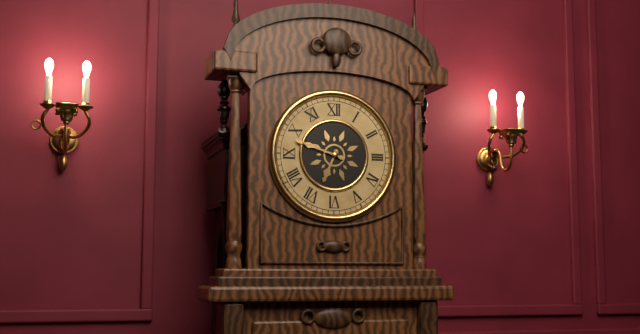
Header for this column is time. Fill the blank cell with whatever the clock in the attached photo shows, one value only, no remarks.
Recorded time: 6:48
